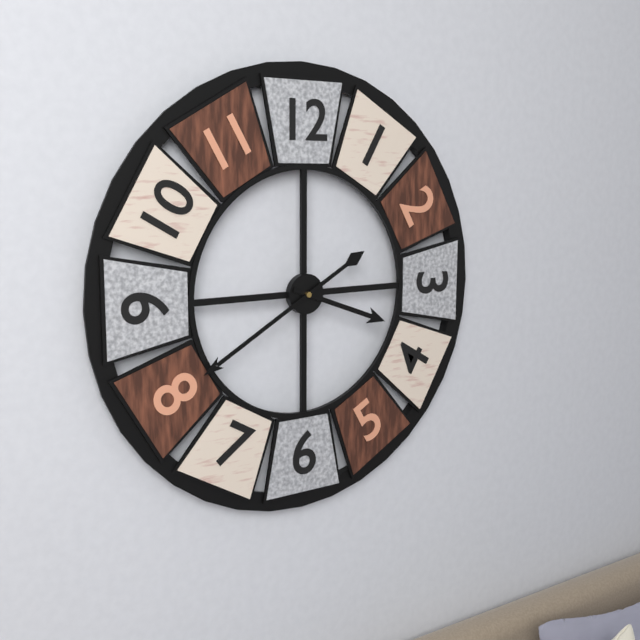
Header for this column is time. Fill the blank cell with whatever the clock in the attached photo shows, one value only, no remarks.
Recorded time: 3:40
